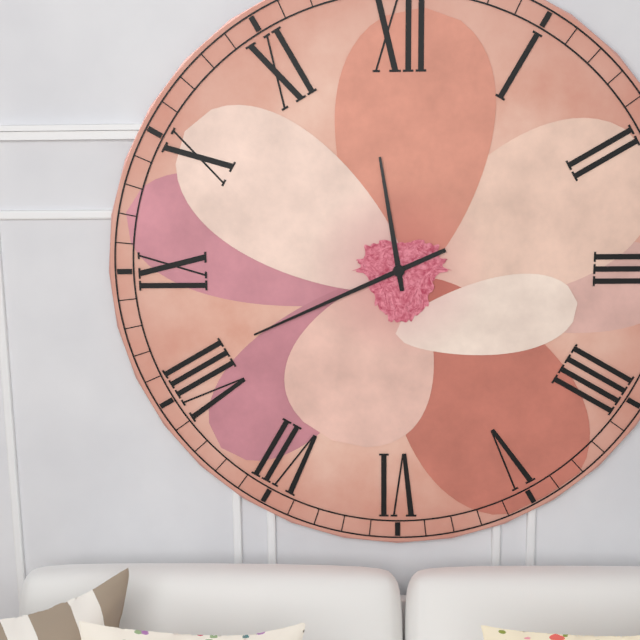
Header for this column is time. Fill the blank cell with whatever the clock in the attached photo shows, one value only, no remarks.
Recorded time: 11:41
